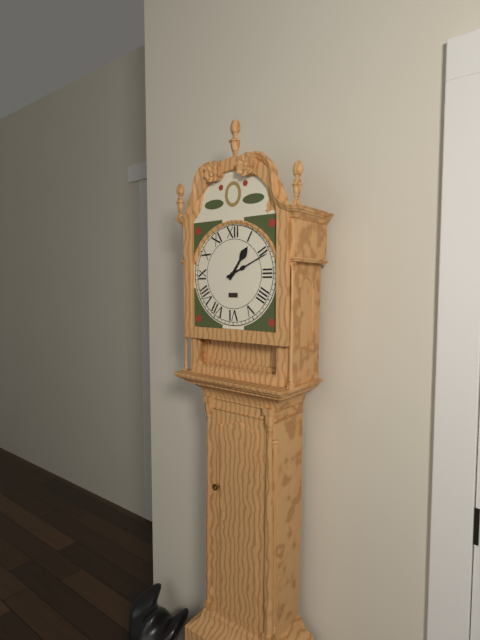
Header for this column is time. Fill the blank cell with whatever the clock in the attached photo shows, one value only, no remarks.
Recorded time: 1:11
